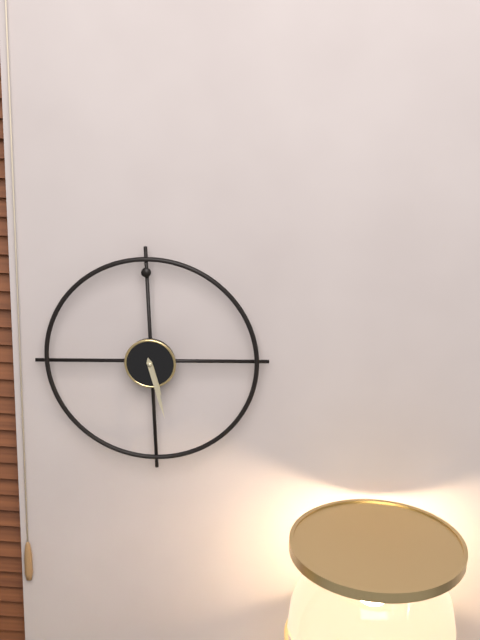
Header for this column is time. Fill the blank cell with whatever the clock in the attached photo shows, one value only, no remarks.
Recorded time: 5:28
